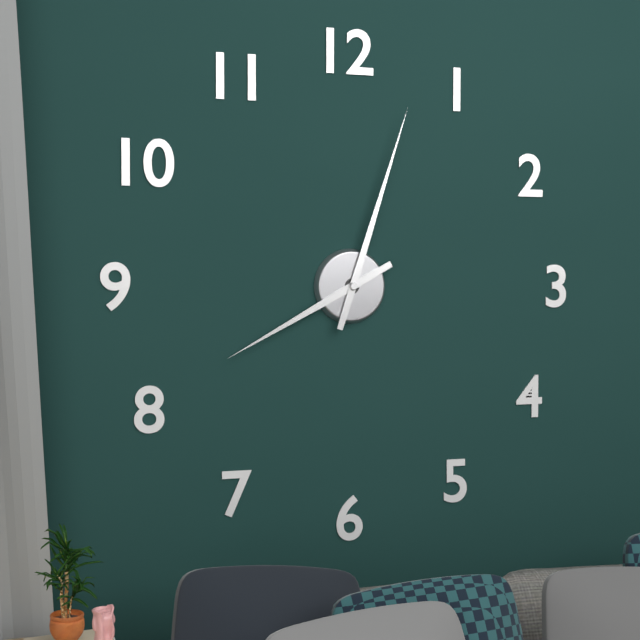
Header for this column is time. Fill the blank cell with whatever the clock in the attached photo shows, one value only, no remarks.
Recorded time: 8:03
